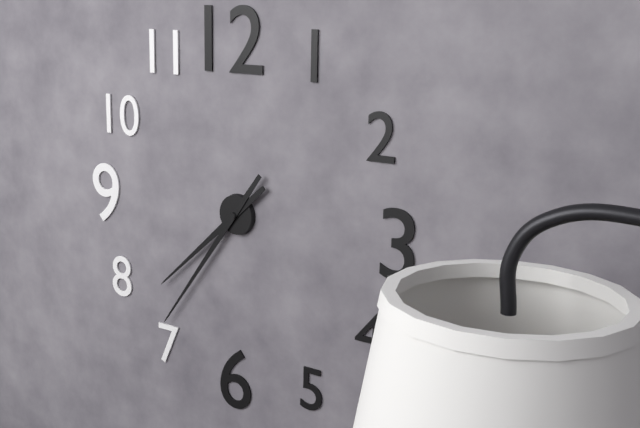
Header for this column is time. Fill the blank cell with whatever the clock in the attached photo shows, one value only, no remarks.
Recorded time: 7:36
